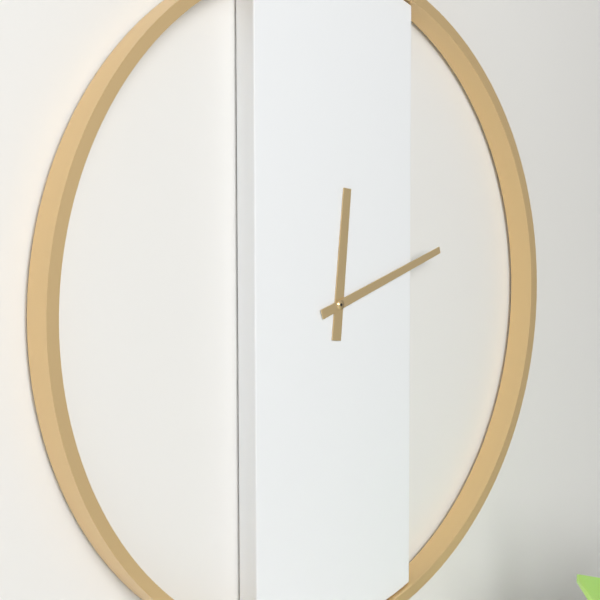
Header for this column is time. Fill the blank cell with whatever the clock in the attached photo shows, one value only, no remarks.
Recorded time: 12:12
